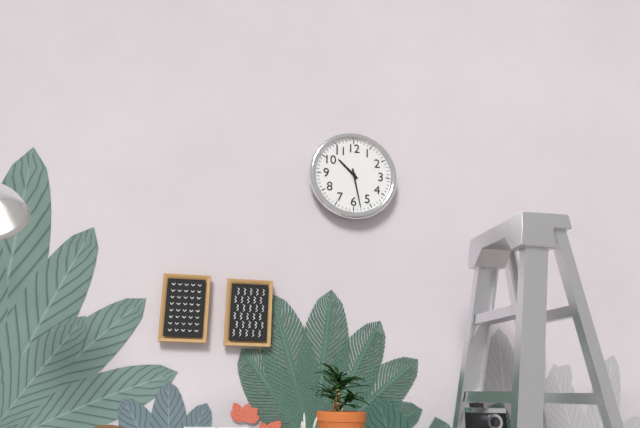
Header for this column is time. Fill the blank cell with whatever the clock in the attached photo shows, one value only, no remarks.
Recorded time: 10:28
